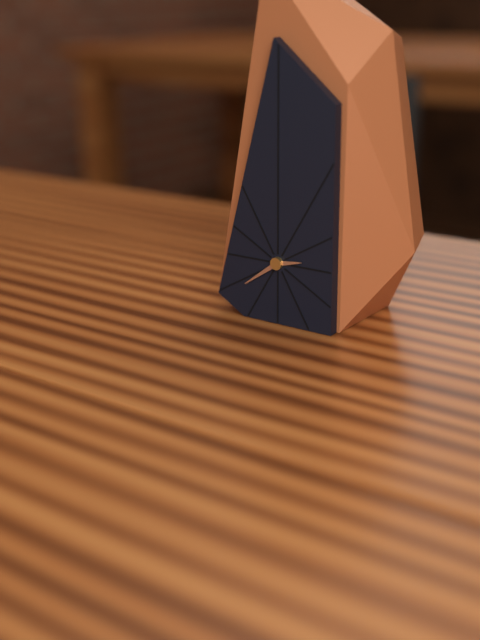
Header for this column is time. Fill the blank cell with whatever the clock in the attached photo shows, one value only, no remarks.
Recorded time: 2:39
